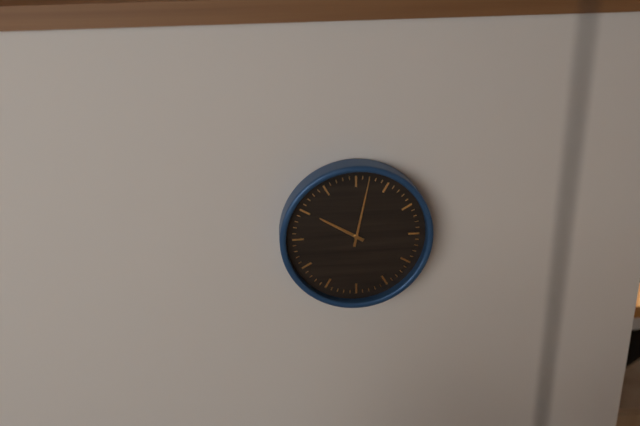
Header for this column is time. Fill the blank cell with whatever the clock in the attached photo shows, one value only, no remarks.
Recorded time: 10:02
